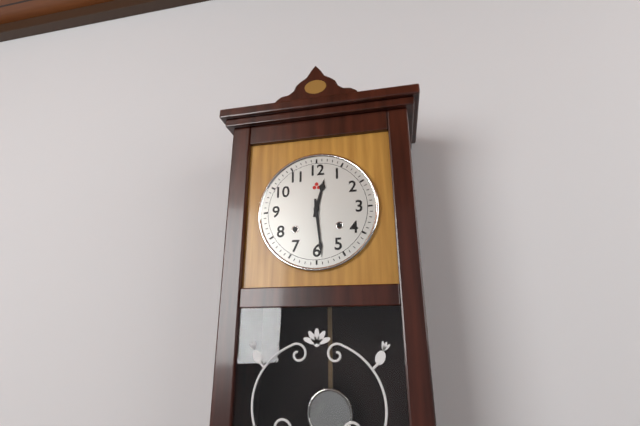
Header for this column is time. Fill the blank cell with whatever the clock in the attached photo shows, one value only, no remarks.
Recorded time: 12:29
